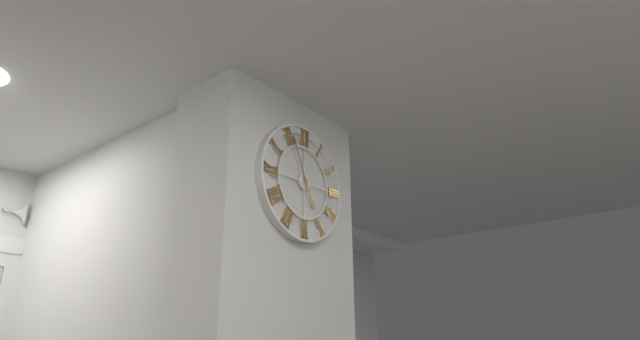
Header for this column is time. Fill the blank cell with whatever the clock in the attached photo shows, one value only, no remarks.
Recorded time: 4:56
